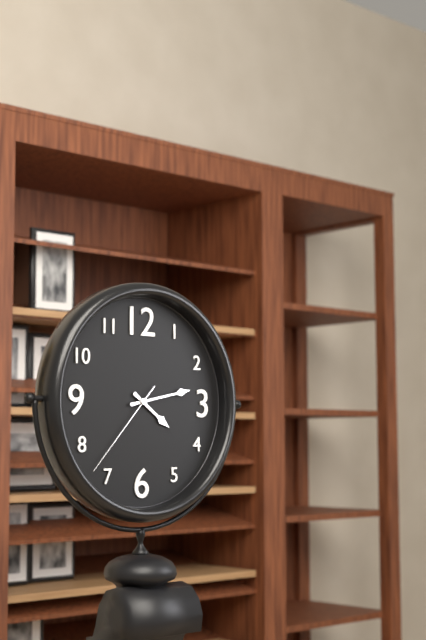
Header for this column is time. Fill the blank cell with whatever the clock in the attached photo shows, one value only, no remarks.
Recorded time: 4:13:37
